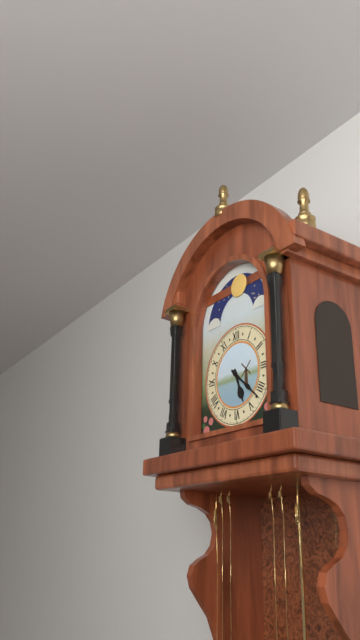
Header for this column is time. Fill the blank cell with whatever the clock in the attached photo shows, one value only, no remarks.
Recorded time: 5:22
